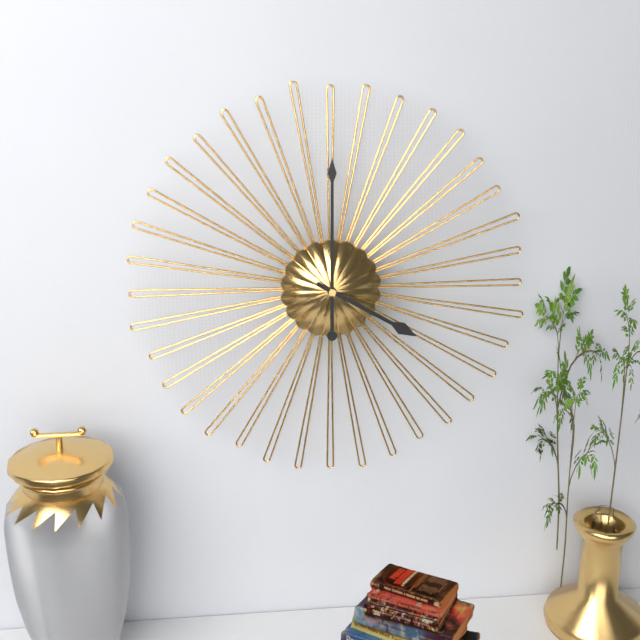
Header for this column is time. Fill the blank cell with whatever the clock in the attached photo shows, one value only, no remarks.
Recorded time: 4:00
